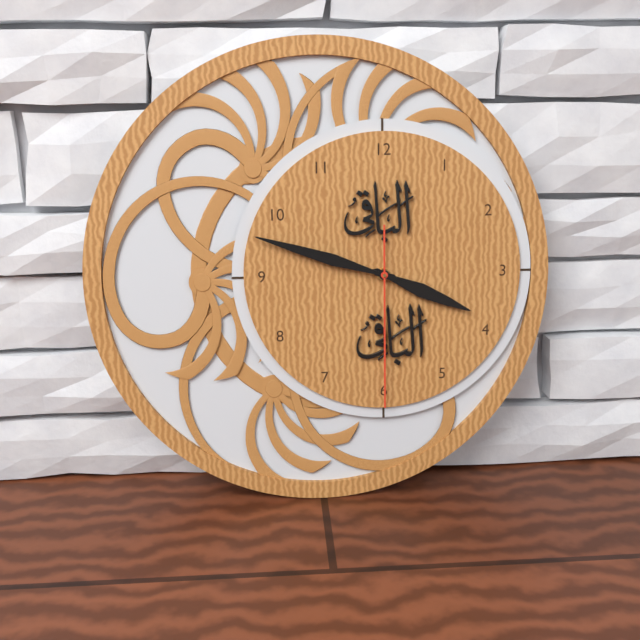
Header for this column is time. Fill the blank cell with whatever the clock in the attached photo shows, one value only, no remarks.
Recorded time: 3:48:30
